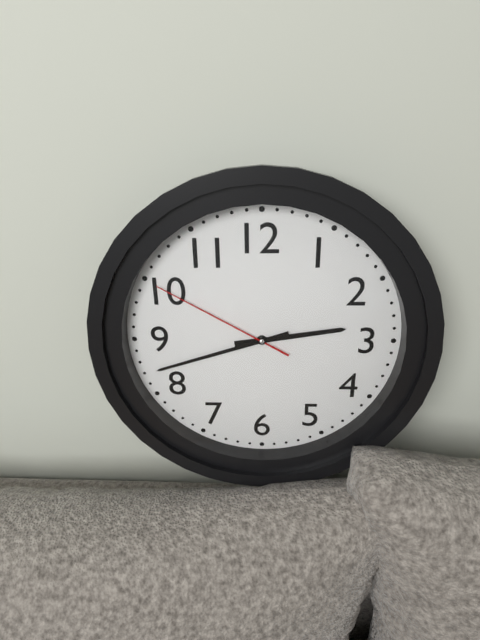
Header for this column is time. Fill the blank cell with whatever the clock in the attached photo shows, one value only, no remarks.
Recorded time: 2:42:50
